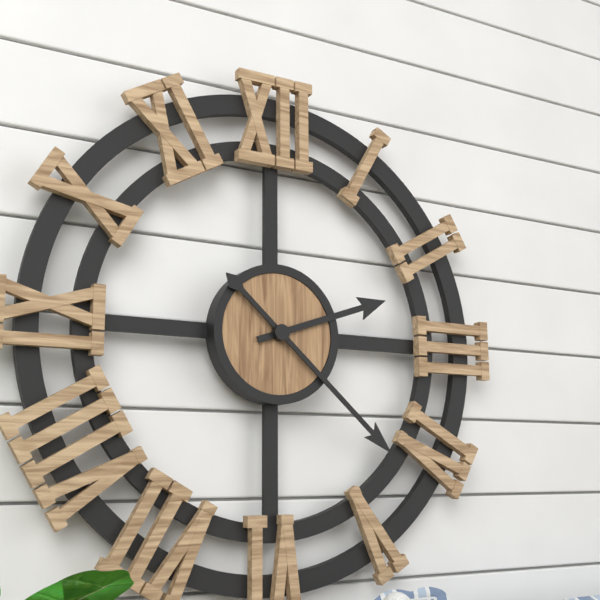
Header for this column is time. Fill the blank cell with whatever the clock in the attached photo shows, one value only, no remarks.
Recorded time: 2:22
